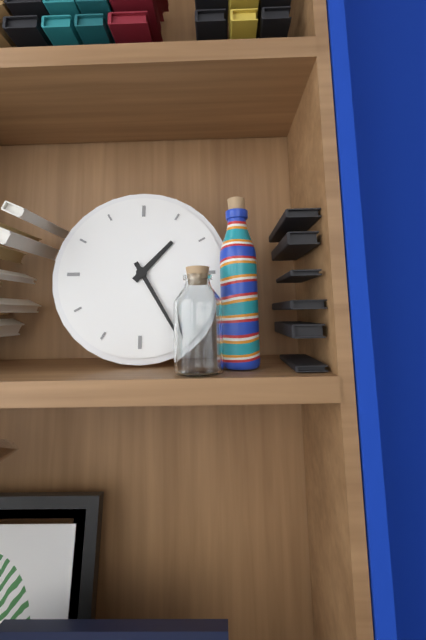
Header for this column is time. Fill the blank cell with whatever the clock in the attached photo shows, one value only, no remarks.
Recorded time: 1:25
